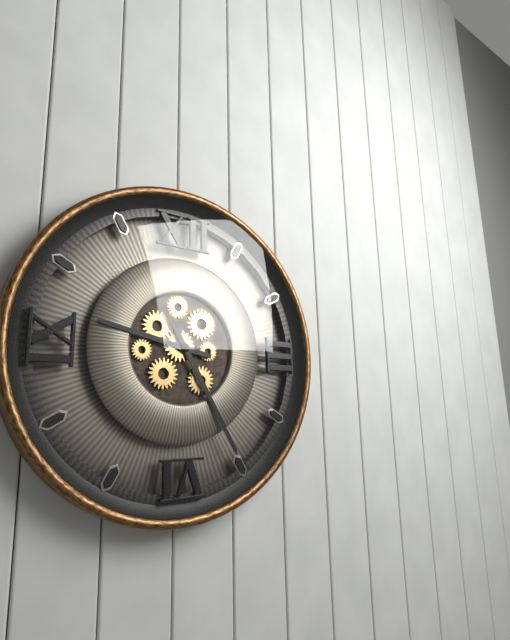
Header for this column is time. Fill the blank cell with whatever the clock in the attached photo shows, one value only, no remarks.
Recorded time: 9:25
